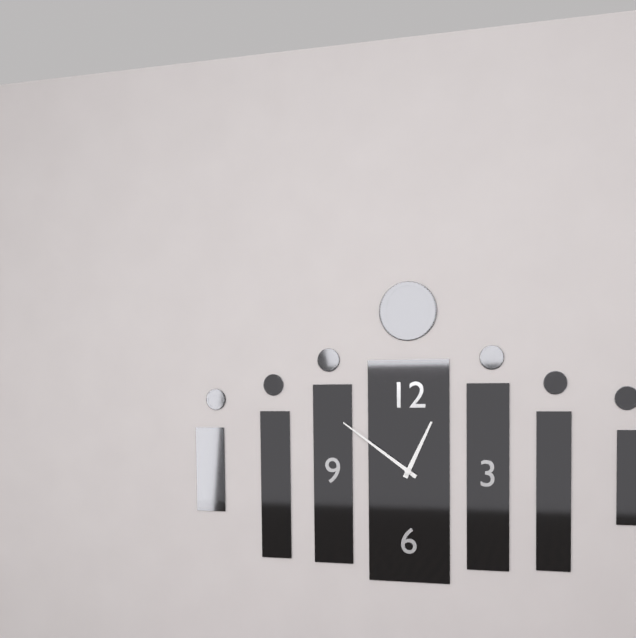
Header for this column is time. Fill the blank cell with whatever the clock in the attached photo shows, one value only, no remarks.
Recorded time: 12:51
